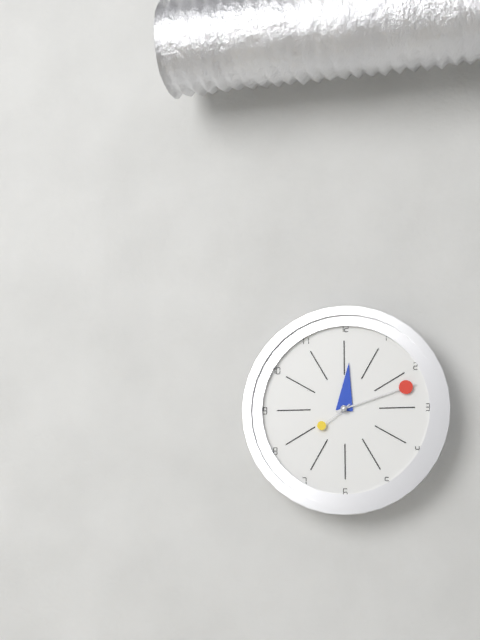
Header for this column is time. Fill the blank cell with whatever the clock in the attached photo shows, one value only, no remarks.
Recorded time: 12:12
